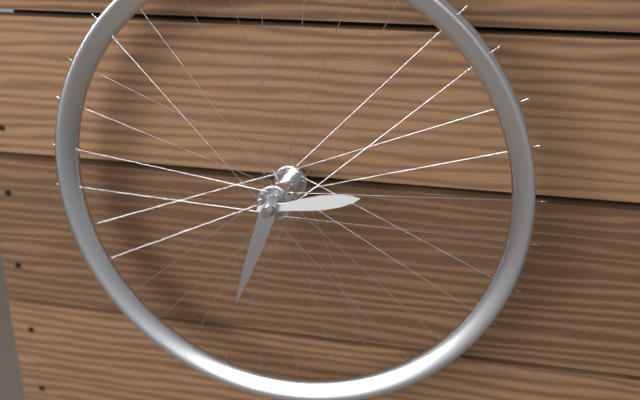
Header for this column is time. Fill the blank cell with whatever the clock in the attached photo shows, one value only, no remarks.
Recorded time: 2:33
